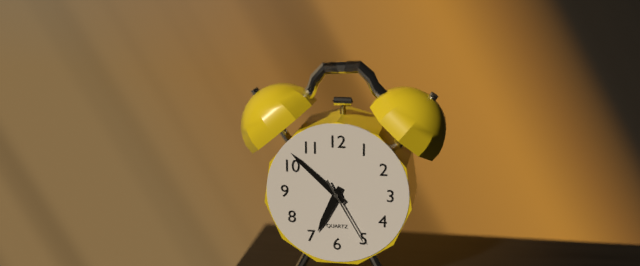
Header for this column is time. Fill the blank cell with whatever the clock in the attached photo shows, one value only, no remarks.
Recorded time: 6:52:25
